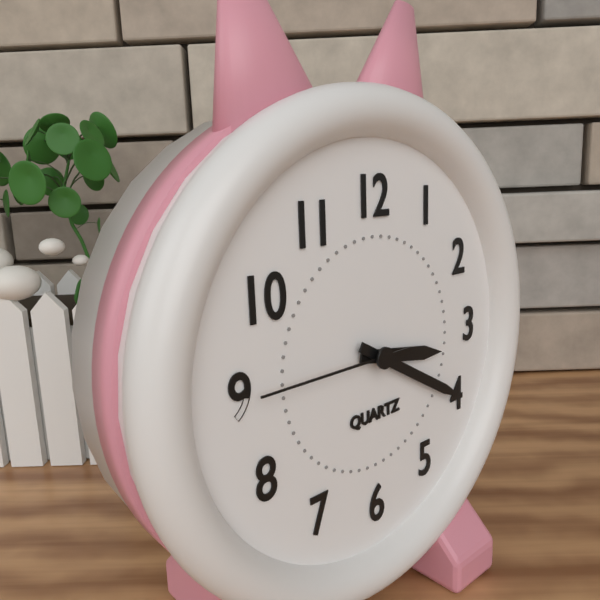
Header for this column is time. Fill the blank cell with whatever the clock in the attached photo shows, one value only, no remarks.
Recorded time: 3:20:45
